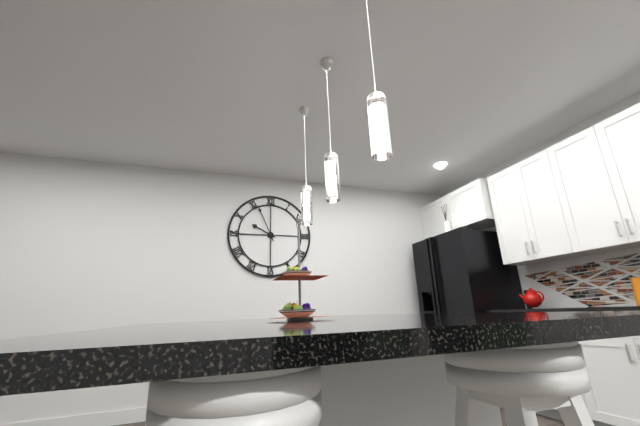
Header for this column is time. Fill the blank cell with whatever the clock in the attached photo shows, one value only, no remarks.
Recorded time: 9:56
